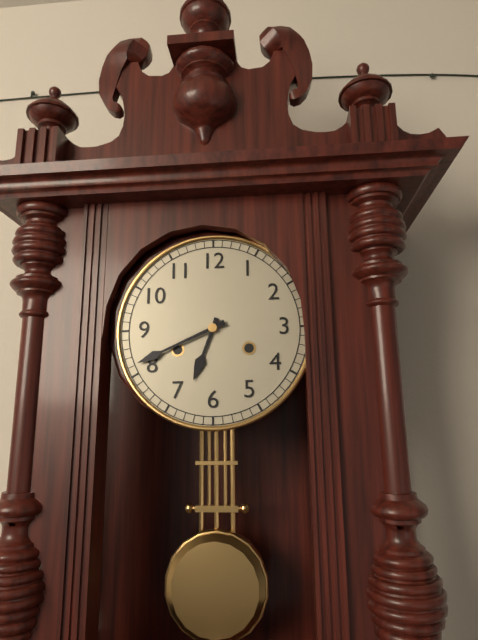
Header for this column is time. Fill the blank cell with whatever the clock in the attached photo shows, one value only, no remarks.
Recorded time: 6:41
